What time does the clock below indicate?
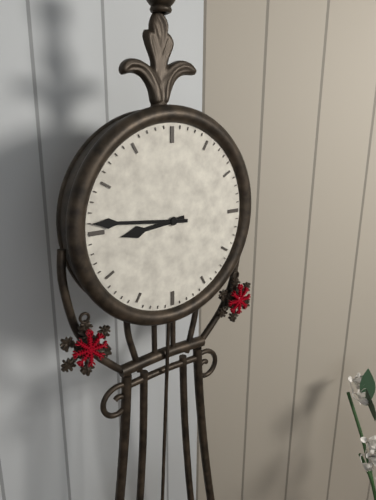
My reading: 8:46
